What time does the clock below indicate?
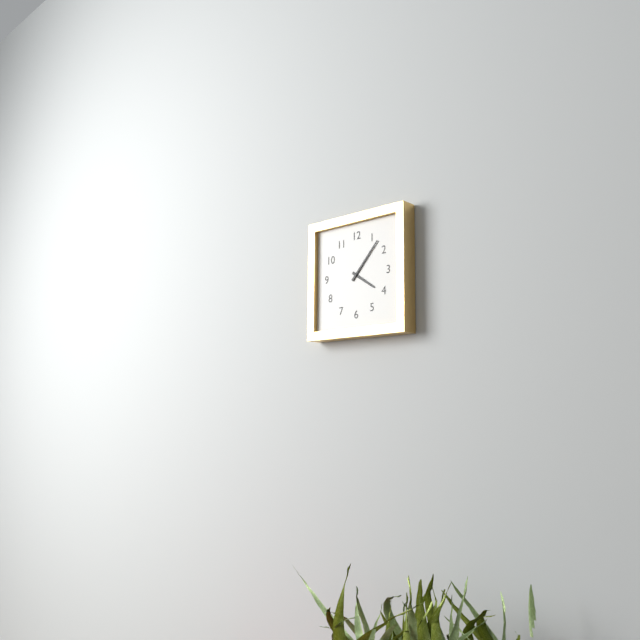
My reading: 4:07
